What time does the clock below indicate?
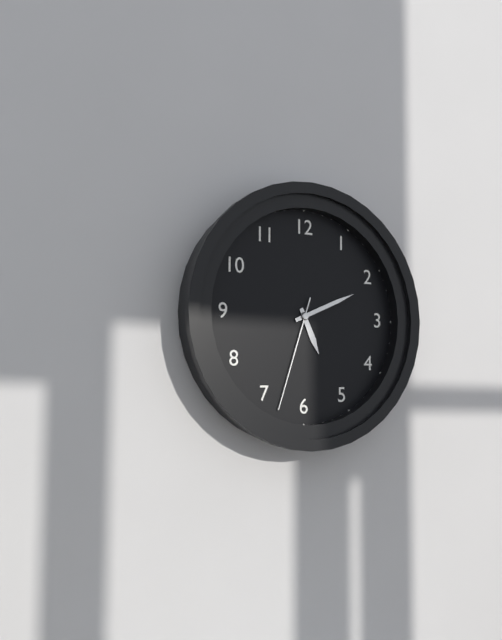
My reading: 5:11:33
